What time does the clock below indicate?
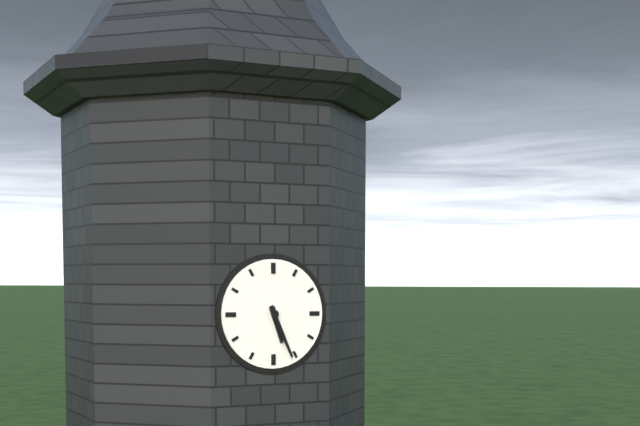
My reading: 5:26
